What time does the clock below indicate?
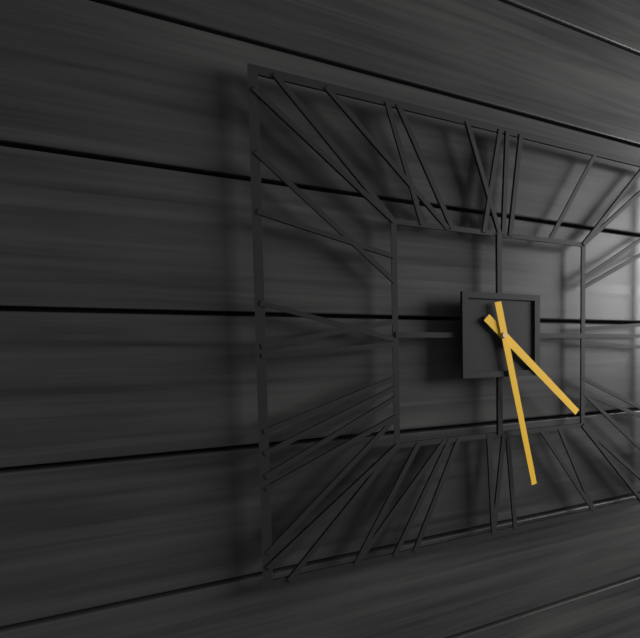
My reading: 4:28
